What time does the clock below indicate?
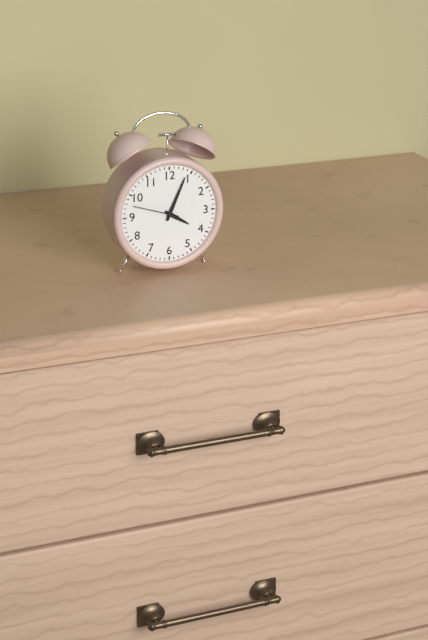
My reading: 4:04
